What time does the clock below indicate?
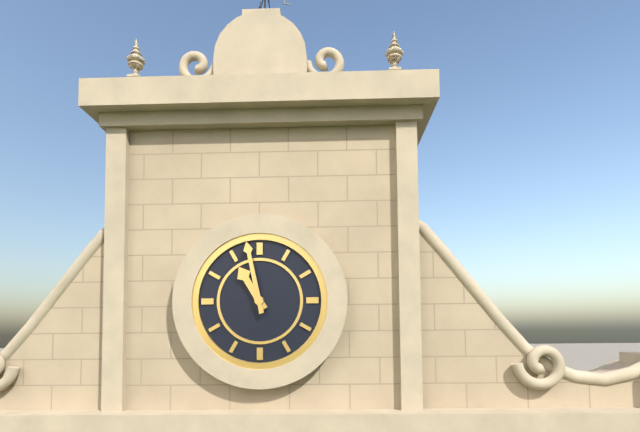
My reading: 10:58
